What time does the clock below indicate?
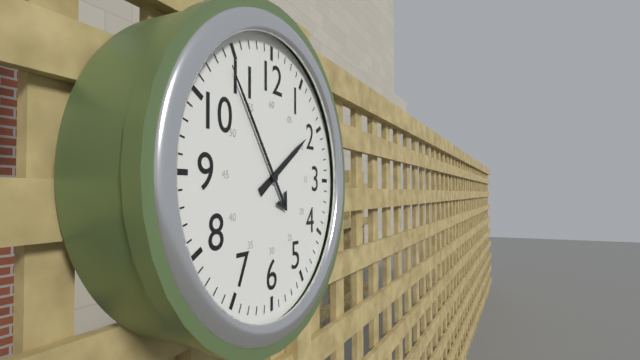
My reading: 1:54
